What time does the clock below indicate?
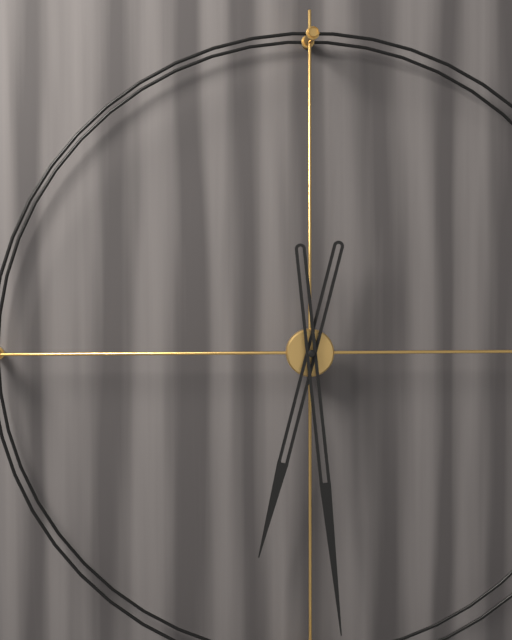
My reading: 6:29
